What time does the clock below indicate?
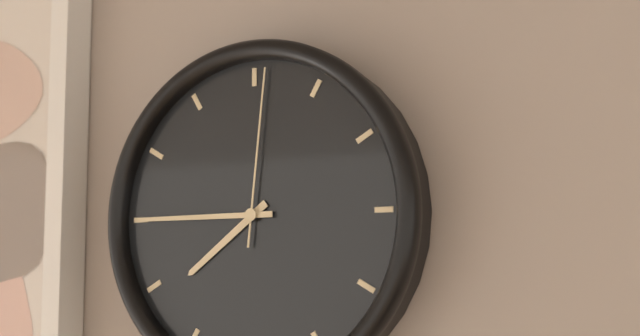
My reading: 7:45:01
